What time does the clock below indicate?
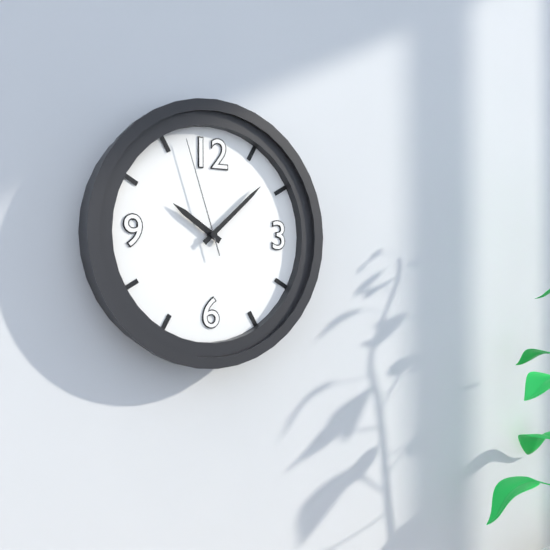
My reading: 10:08:57
